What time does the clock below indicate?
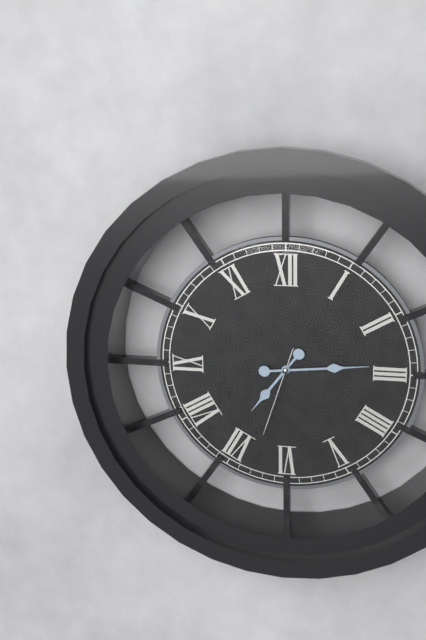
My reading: 7:14:33
